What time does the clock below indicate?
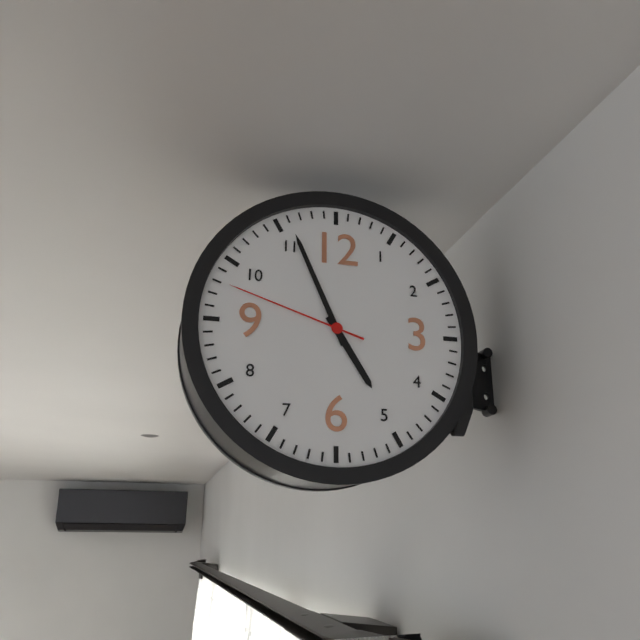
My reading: 4:56:48
